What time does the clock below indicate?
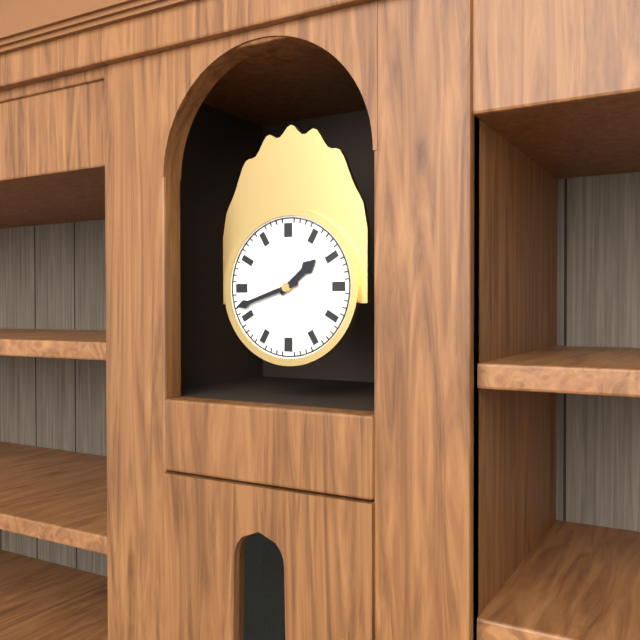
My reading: 1:42
